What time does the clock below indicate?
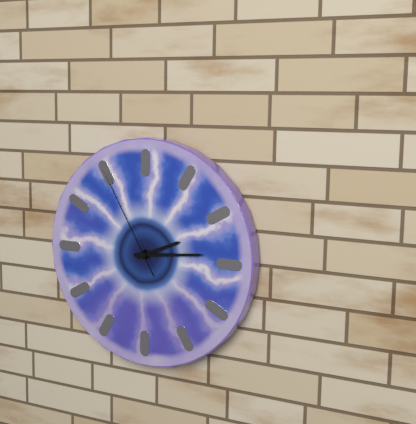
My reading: 2:14:55
